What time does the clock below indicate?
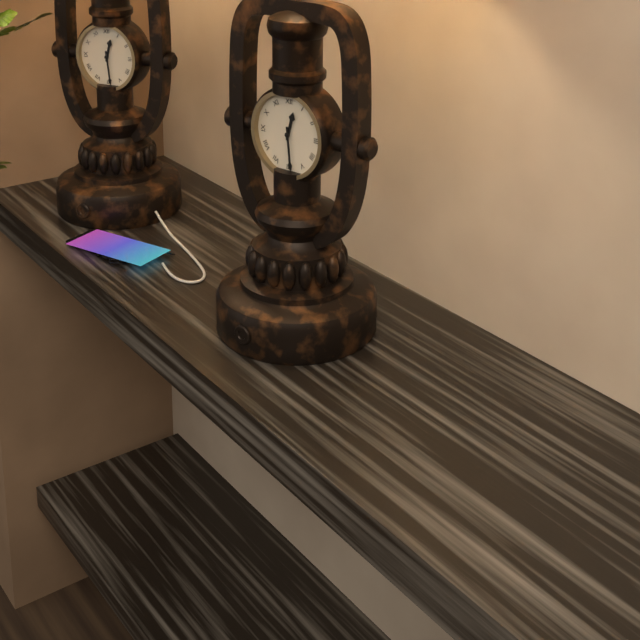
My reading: 12:29
